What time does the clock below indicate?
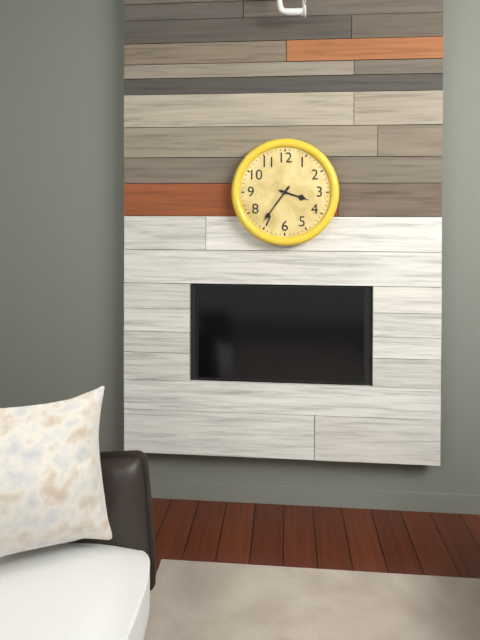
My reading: 3:36
